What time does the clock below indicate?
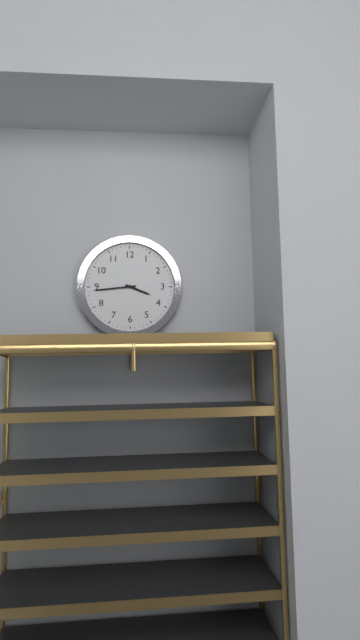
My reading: 3:44
